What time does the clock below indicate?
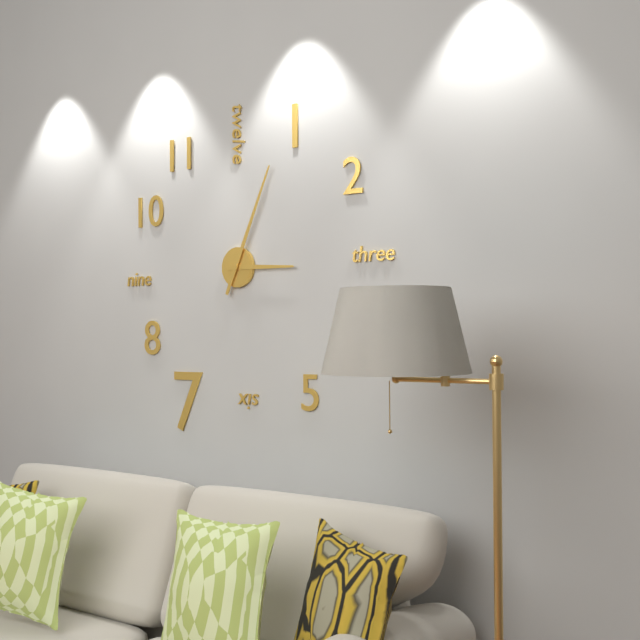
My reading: 3:04
